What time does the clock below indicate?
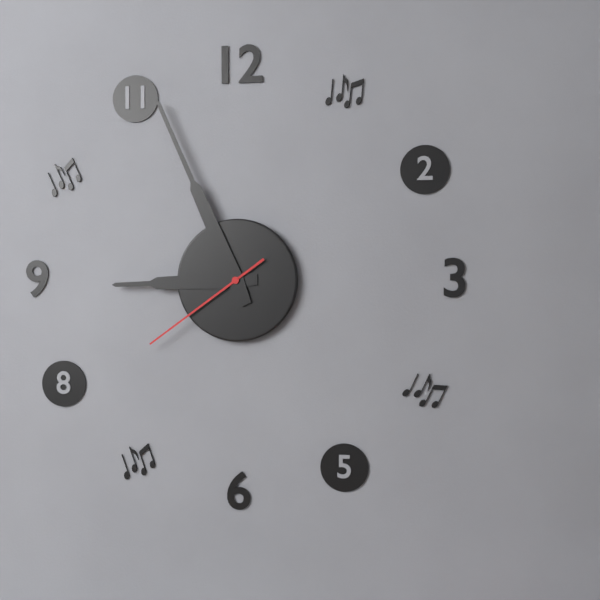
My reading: 8:56:39
